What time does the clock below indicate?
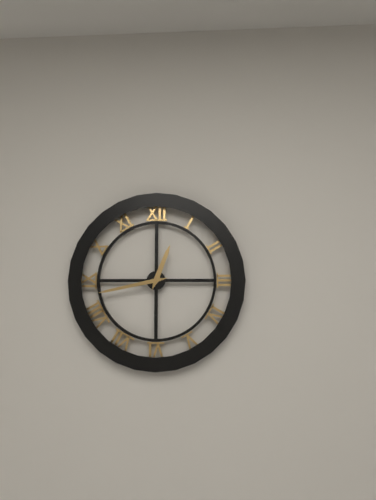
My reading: 12:43
